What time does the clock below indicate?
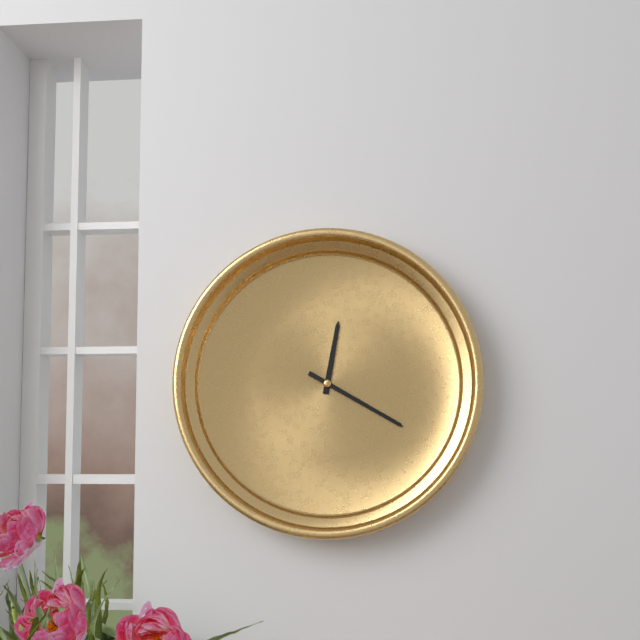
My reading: 12:20
